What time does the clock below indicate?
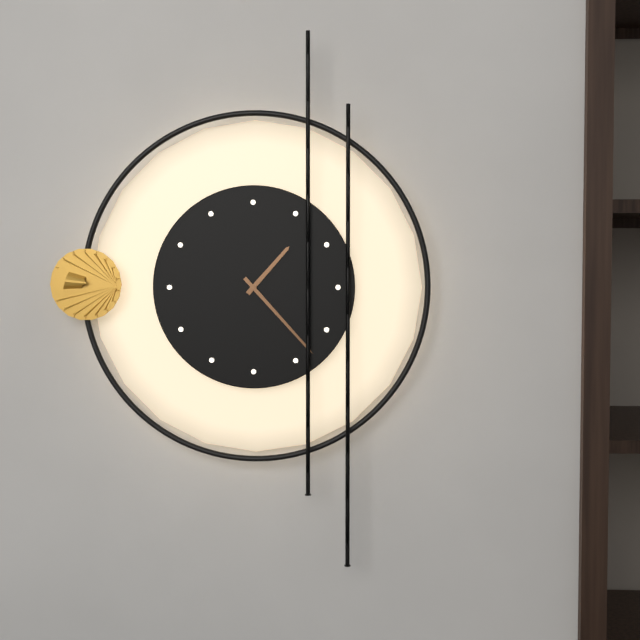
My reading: 1:23
